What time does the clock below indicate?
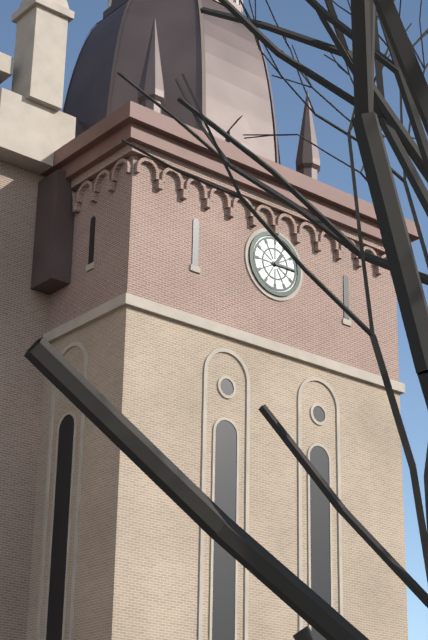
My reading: 1:15
